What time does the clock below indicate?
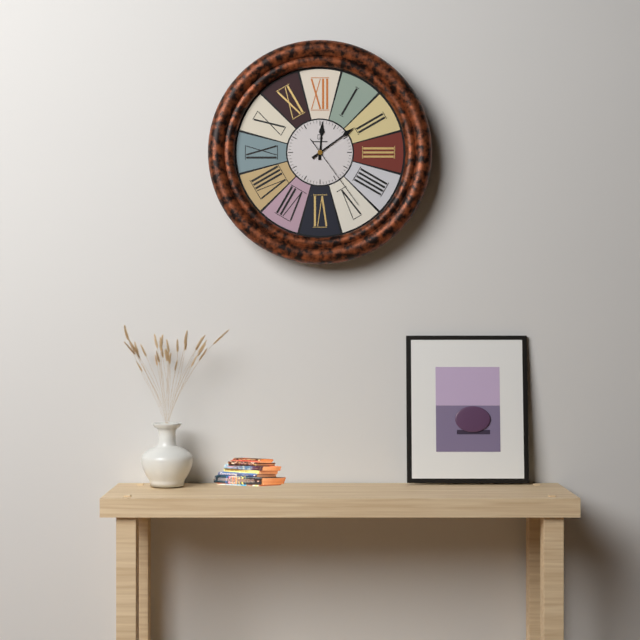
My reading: 12:09:24
